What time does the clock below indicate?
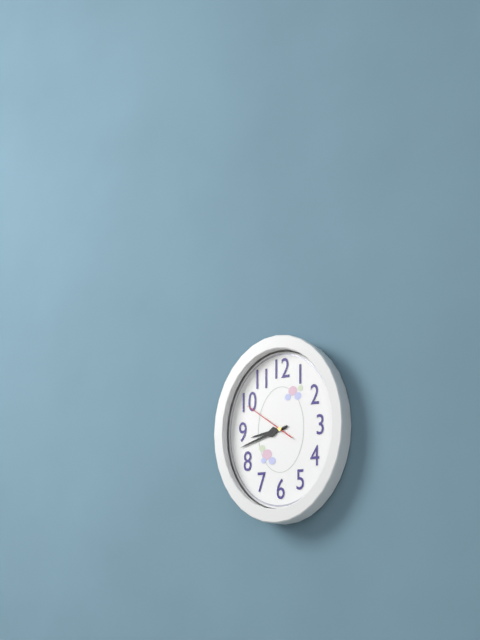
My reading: 8:42
